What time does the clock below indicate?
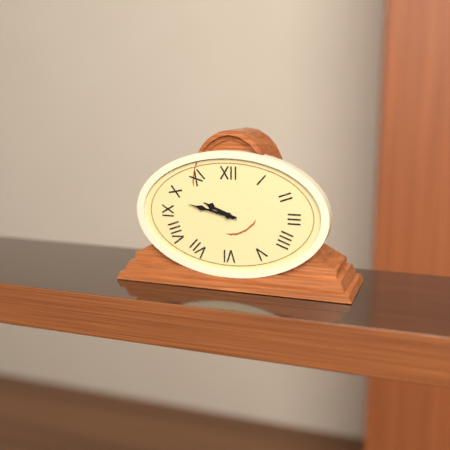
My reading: 9:47
